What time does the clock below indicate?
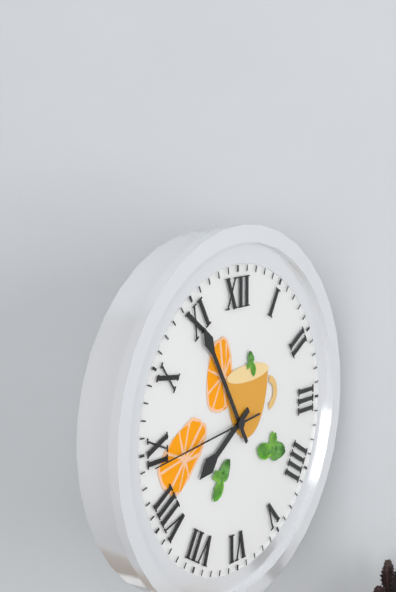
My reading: 7:55:44
